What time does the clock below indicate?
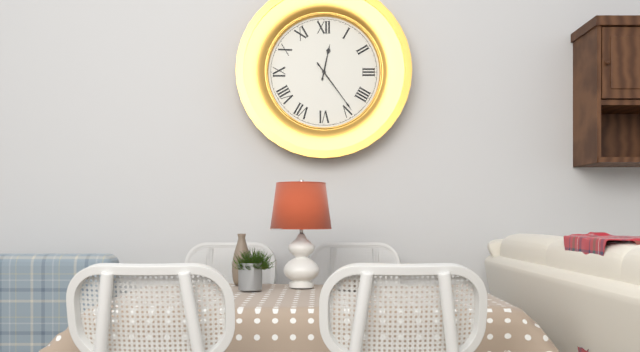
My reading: 12:24
